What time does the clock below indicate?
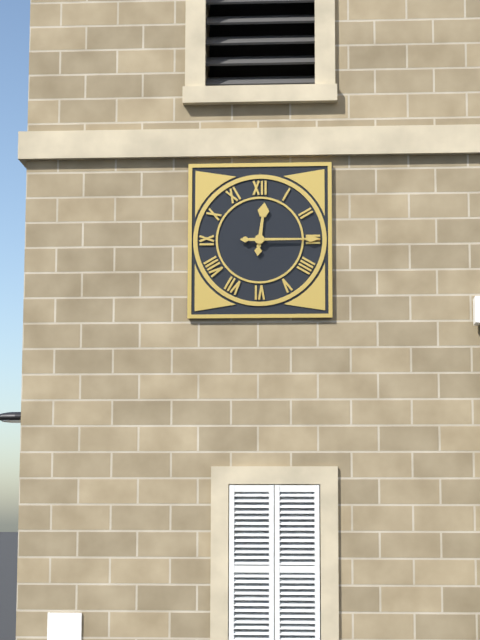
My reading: 12:15
